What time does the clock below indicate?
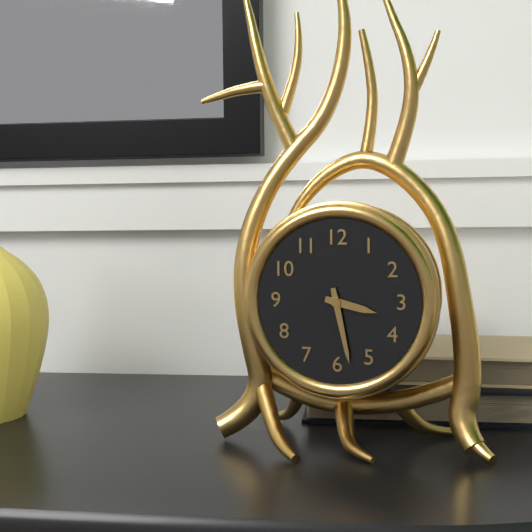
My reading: 3:28
